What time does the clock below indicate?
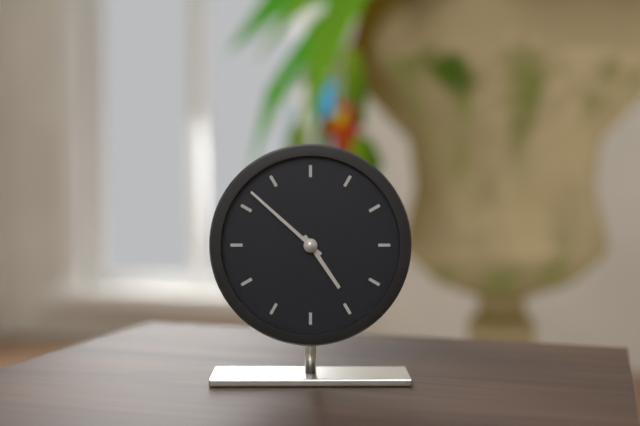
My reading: 4:52
